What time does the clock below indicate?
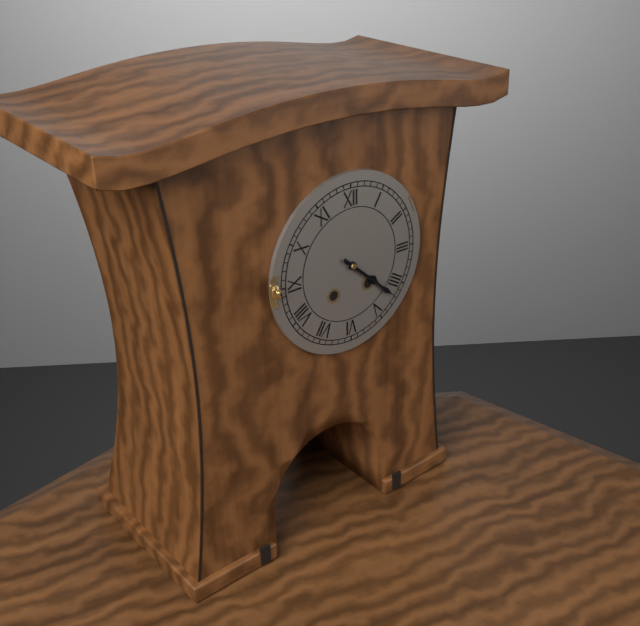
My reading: 4:22
